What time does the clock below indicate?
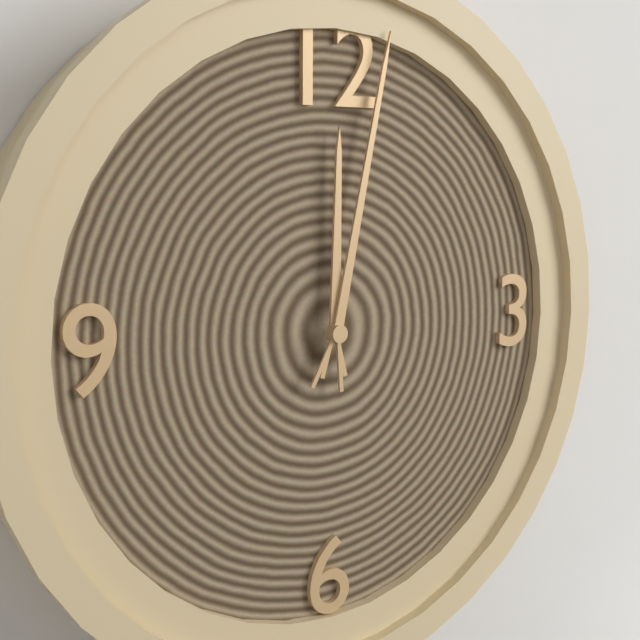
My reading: 12:02
